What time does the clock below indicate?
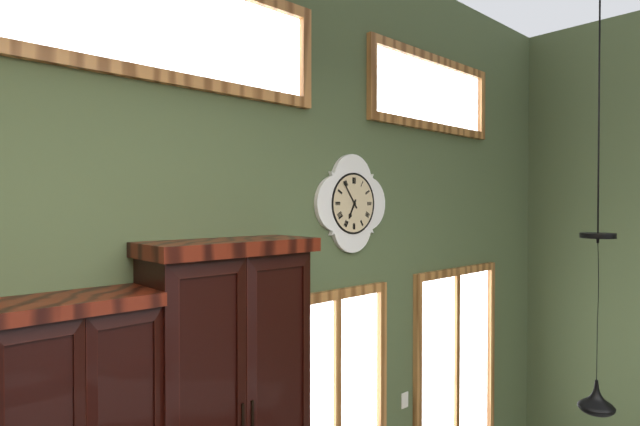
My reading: 6:54
